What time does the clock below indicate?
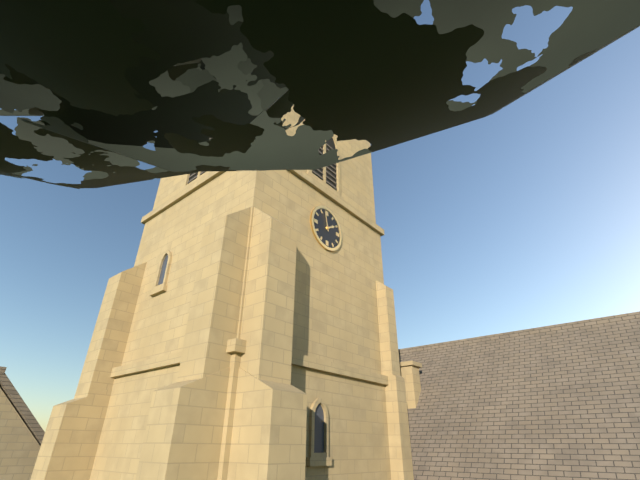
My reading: 1:58
